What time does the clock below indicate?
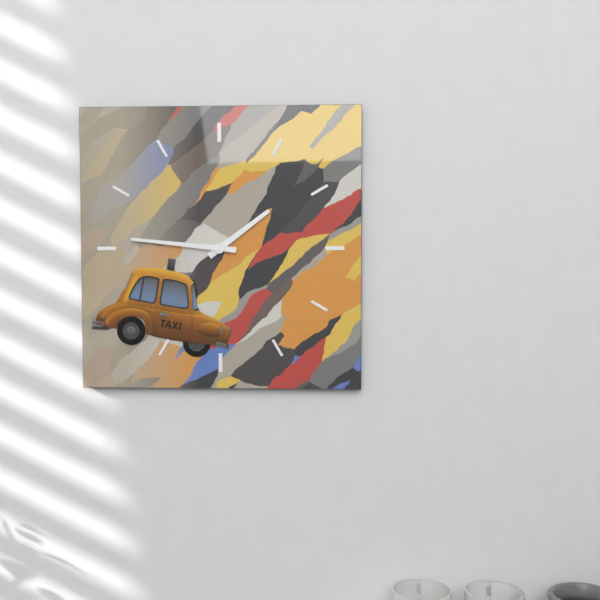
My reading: 1:46
